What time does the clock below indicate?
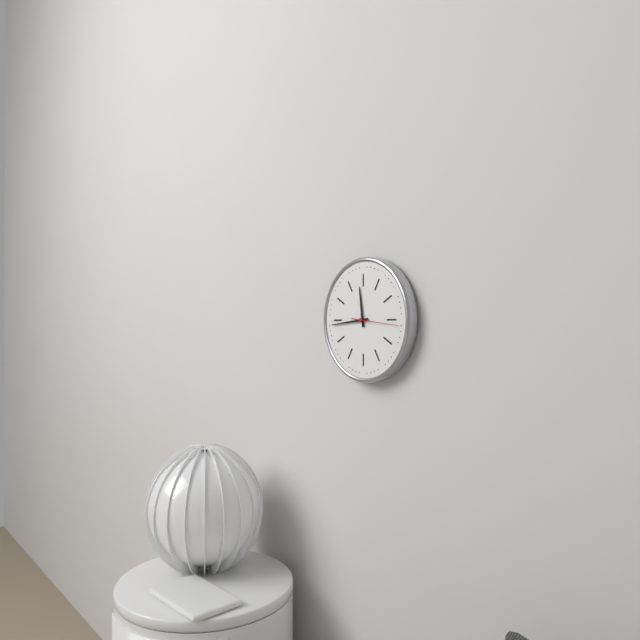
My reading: 11:44
